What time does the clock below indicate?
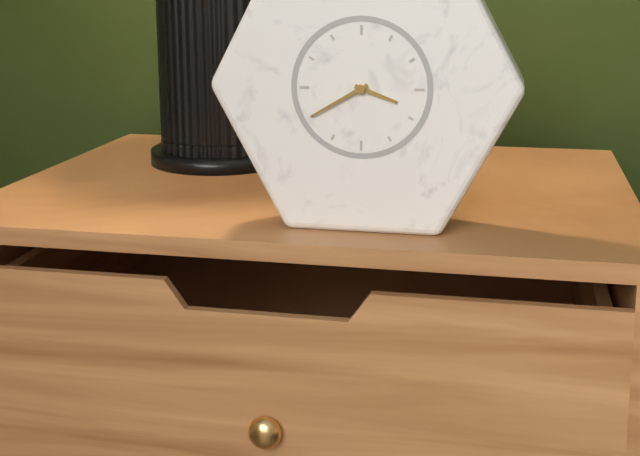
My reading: 3:40
